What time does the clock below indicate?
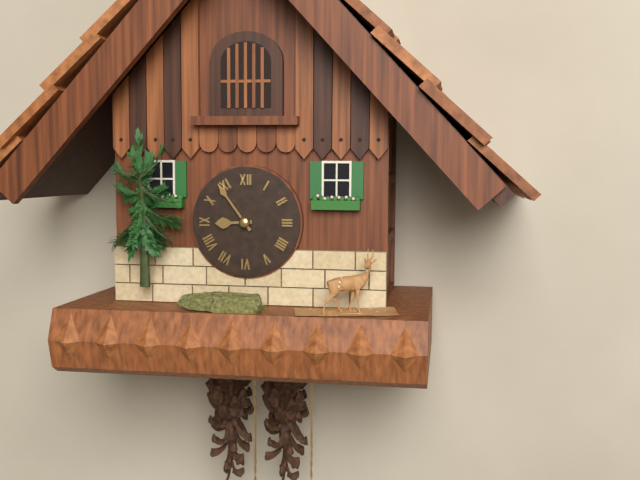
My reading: 8:54
